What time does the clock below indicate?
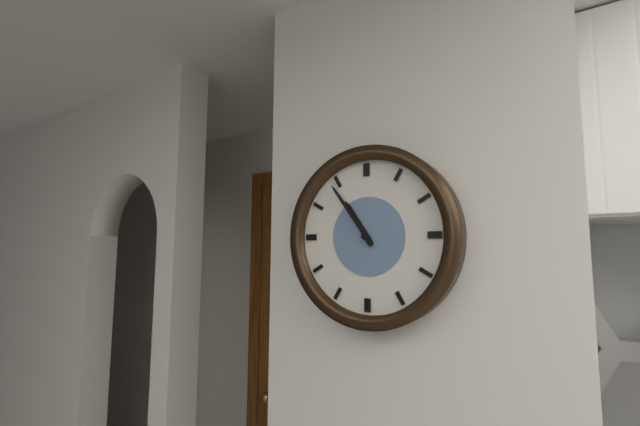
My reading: 10:54
